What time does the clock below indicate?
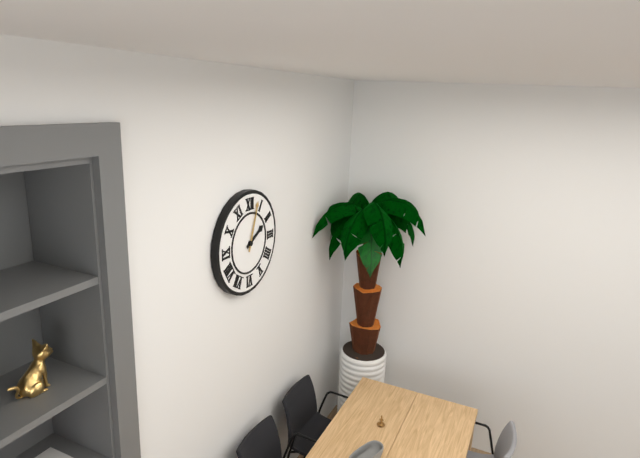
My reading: 2:03
